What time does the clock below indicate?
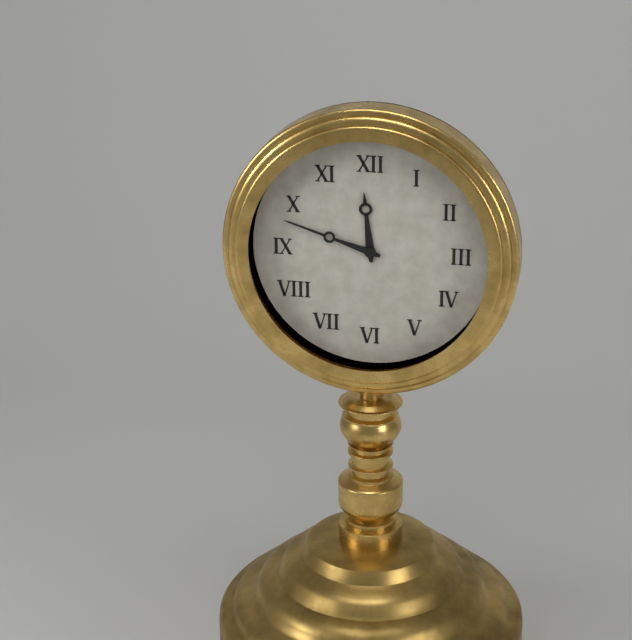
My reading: 11:48
